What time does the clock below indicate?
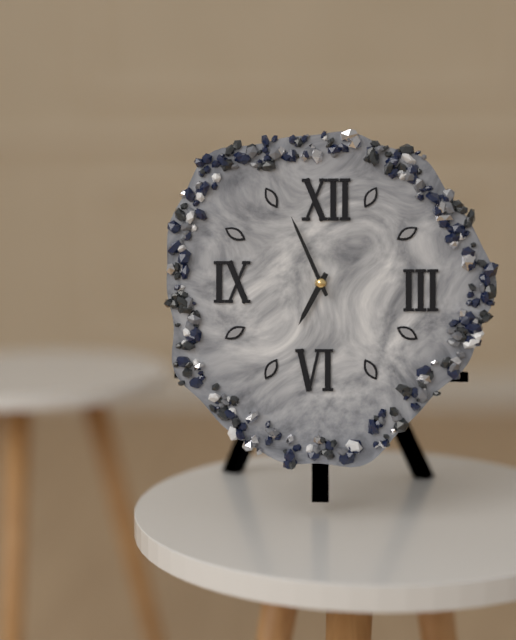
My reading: 6:56
